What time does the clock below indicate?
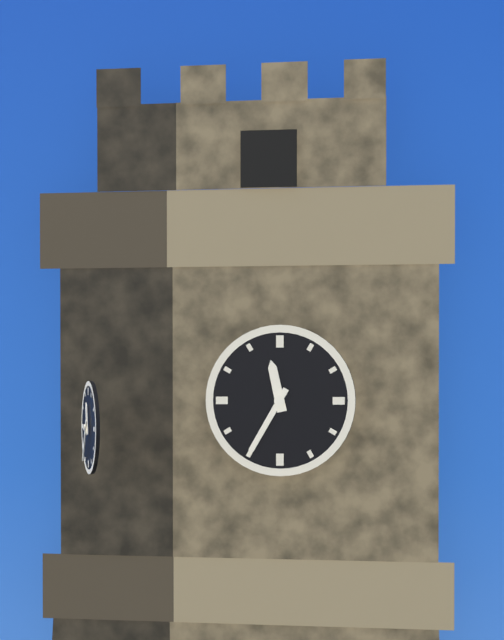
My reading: 11:35
